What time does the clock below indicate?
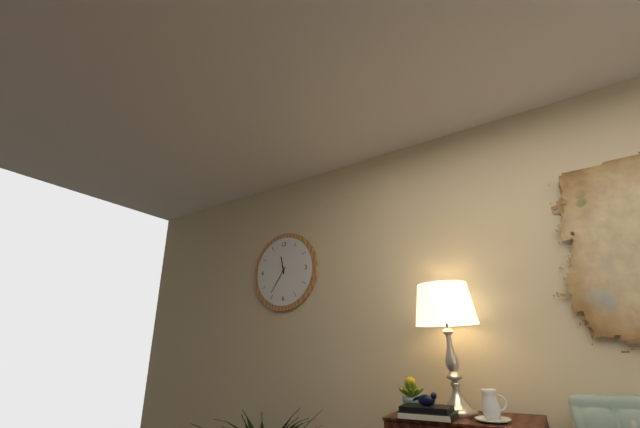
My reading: 11:36
